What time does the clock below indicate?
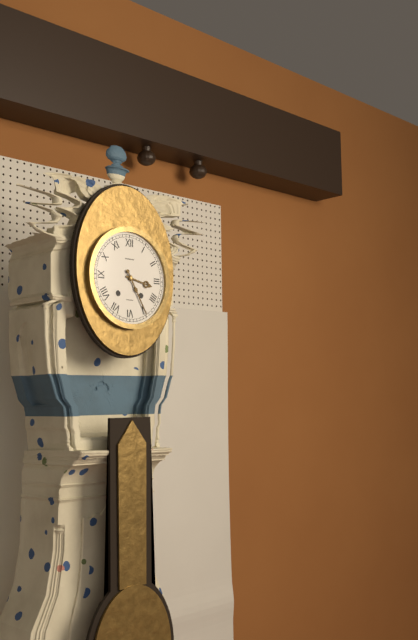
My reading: 3:25
